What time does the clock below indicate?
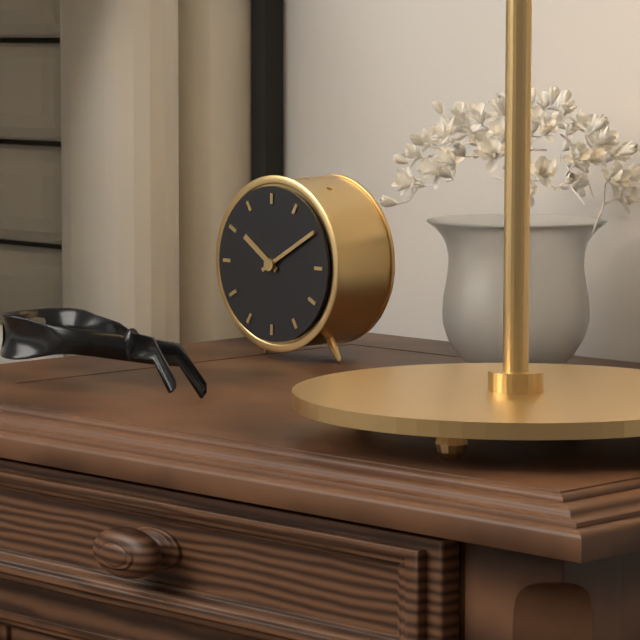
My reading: 10:10
